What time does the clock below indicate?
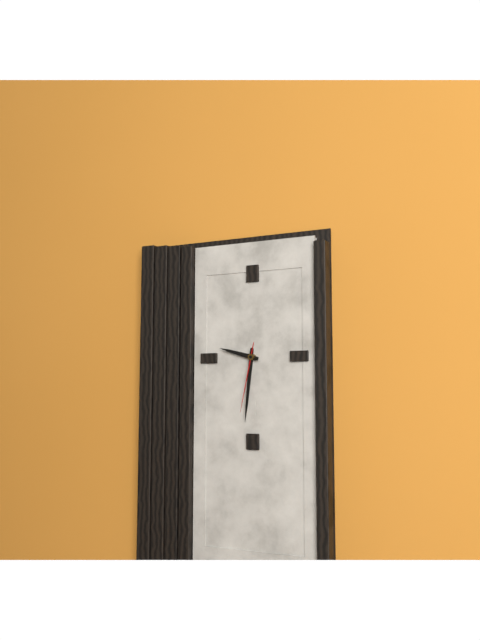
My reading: 9:31:32
